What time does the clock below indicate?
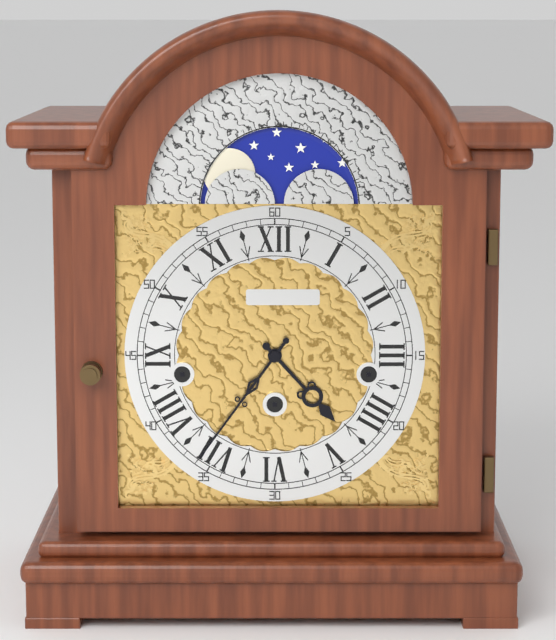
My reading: 4:36
